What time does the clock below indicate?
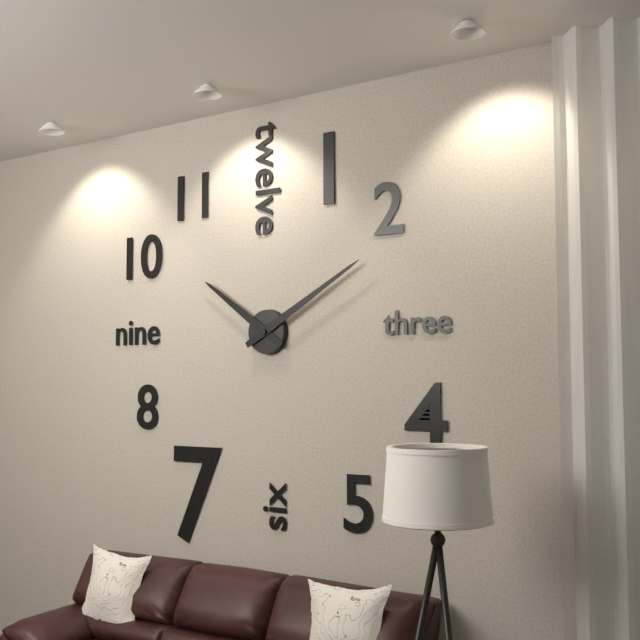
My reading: 10:10
